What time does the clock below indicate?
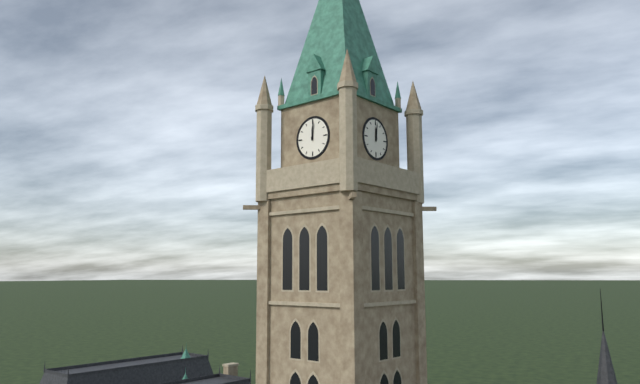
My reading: 12:01
